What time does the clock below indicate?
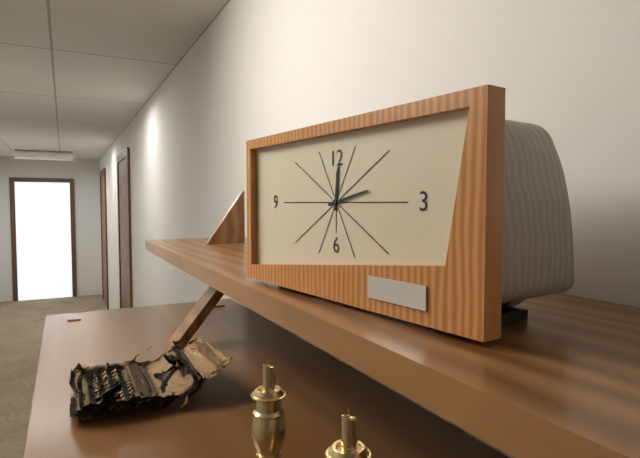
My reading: 12:13
